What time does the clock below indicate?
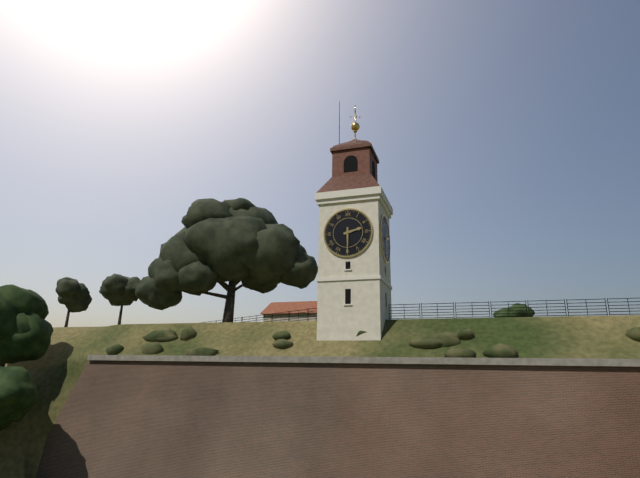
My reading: 2:30
